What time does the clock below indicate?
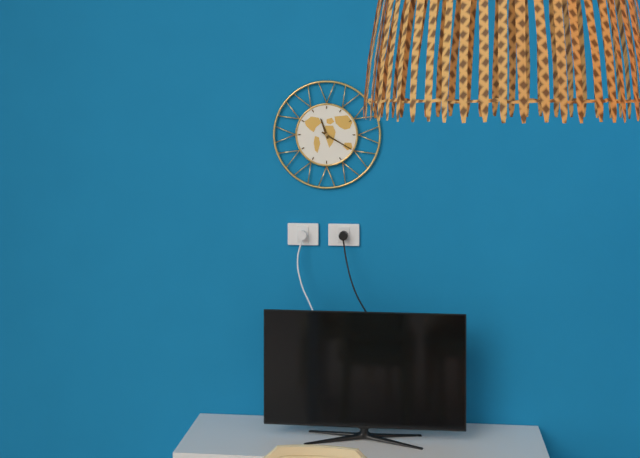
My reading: 11:20
